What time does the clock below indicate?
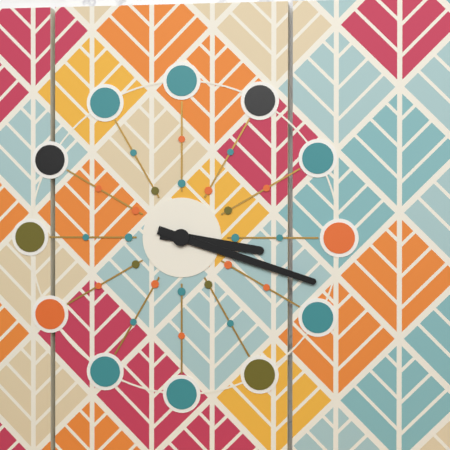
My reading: 3:18
